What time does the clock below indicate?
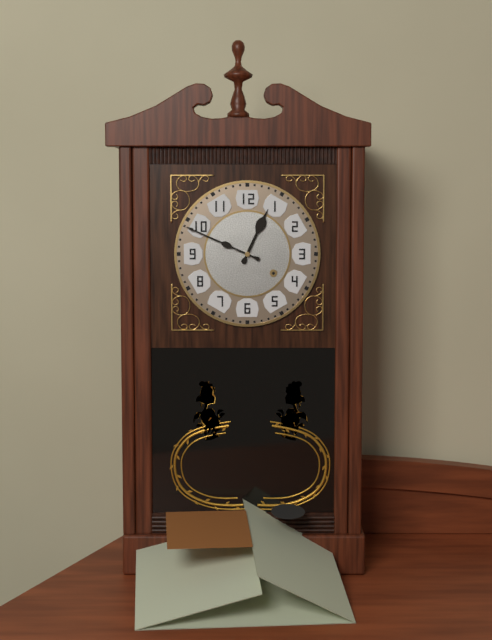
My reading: 12:49
